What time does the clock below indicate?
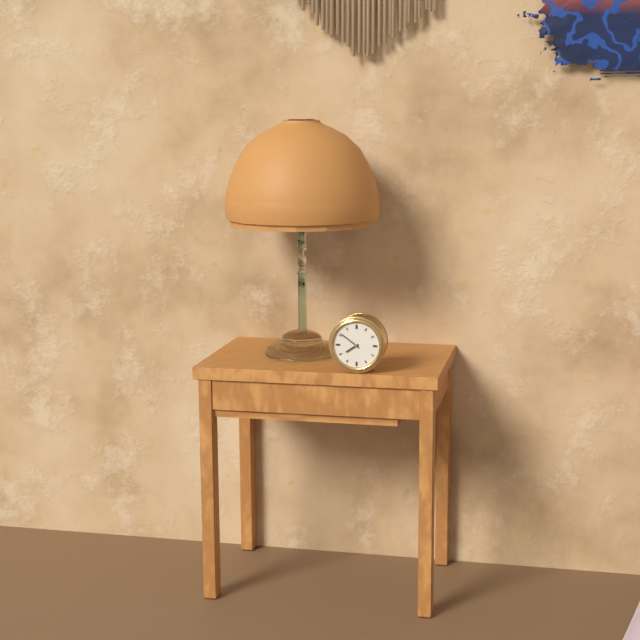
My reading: 7:51
